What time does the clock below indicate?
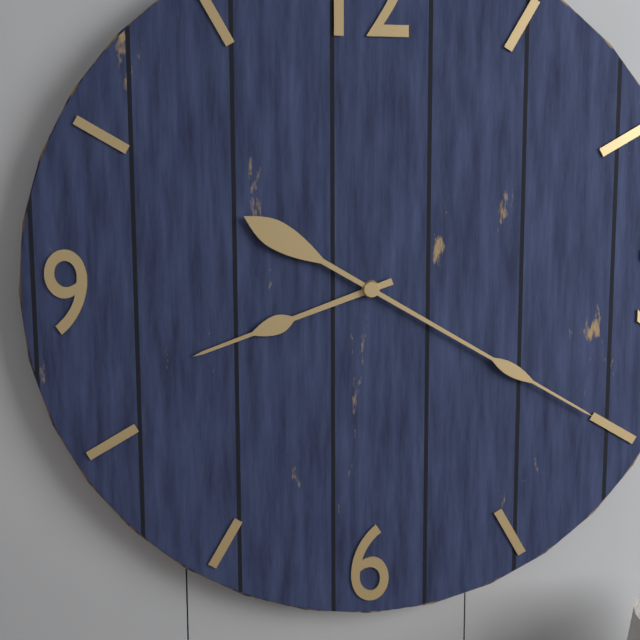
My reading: 8:20
